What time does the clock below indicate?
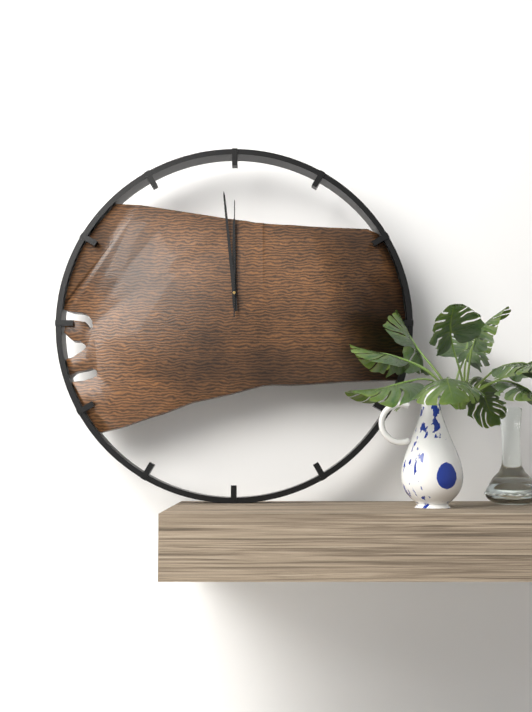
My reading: 11:59:00
